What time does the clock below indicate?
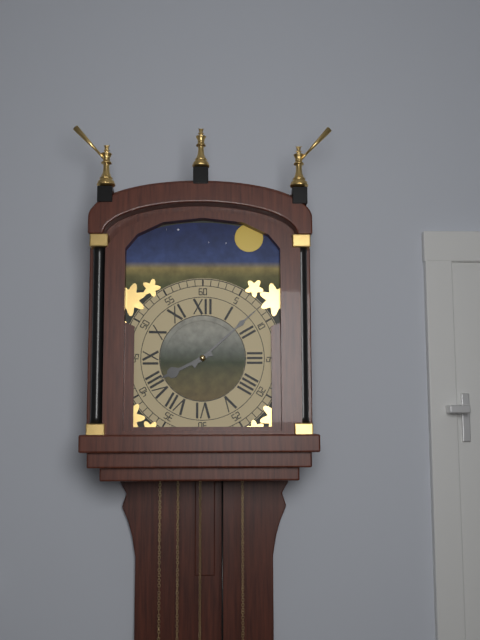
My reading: 8:08
